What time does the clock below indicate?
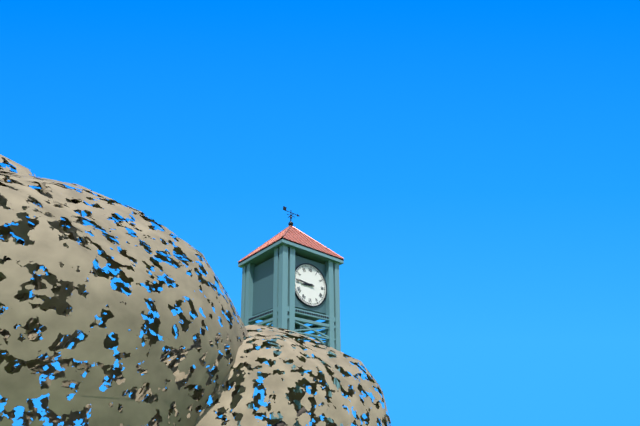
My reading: 8:46
